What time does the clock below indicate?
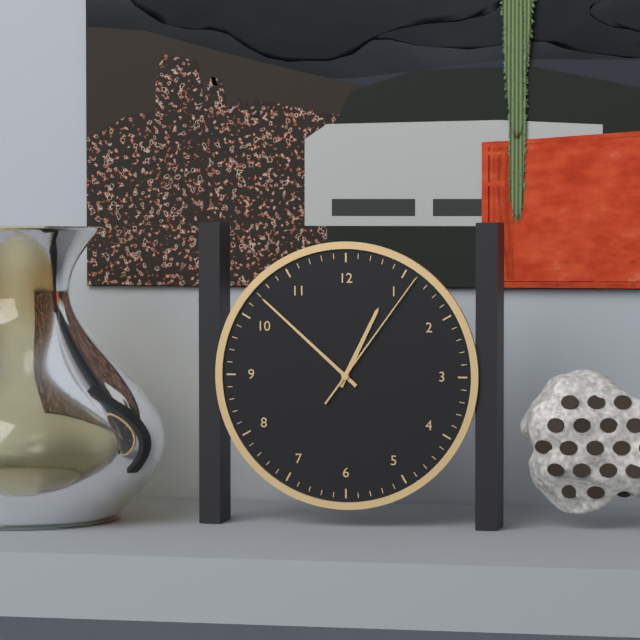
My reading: 12:52:06
